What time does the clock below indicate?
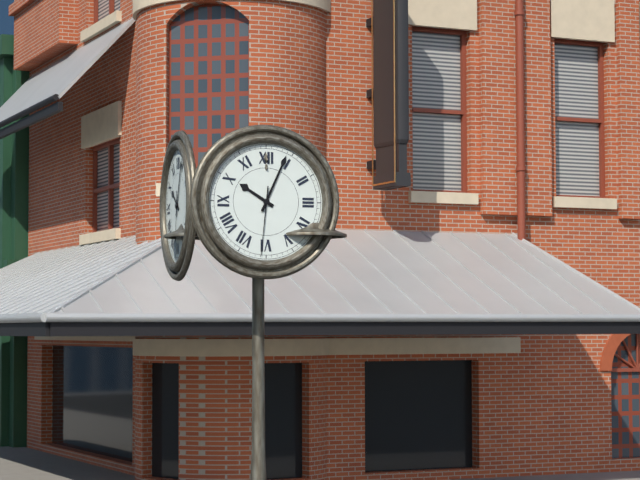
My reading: 10:04:31
